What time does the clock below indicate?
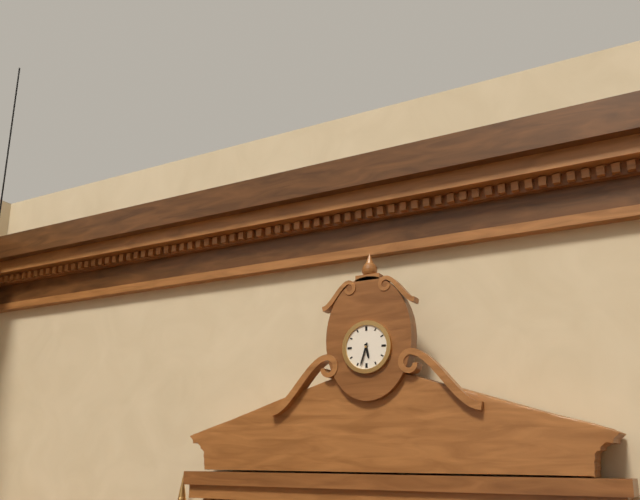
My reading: 5:33
